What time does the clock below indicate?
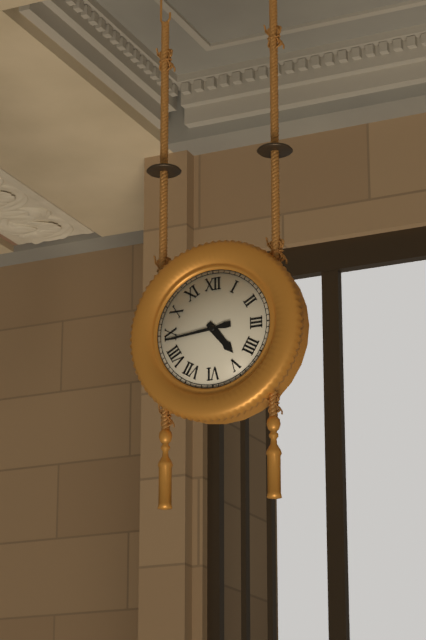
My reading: 4:44
